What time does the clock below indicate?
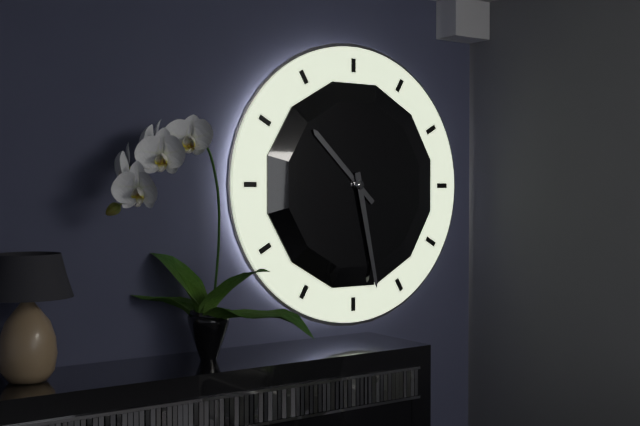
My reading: 10:28
